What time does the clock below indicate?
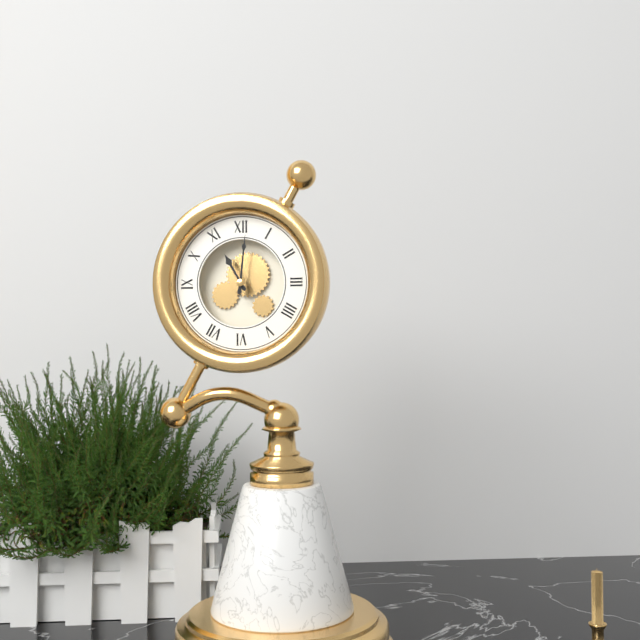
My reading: 11:01
